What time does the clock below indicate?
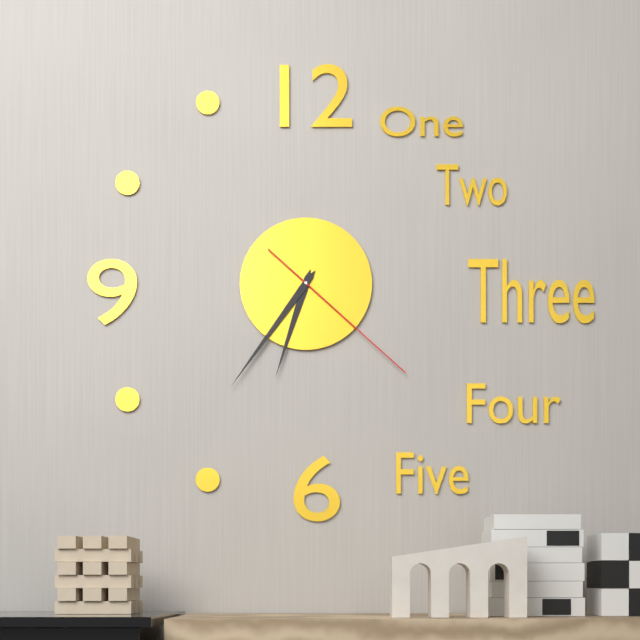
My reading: 6:36:22
